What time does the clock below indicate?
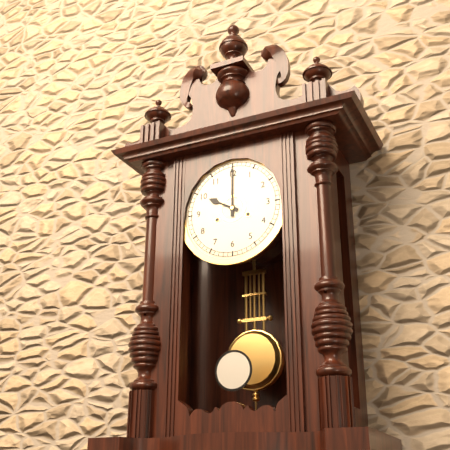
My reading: 10:00
